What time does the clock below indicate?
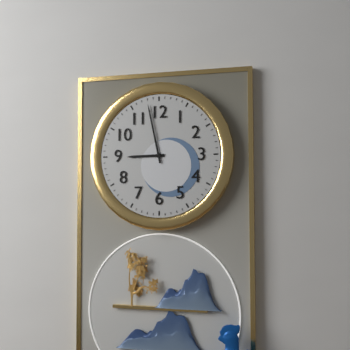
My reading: 8:58
